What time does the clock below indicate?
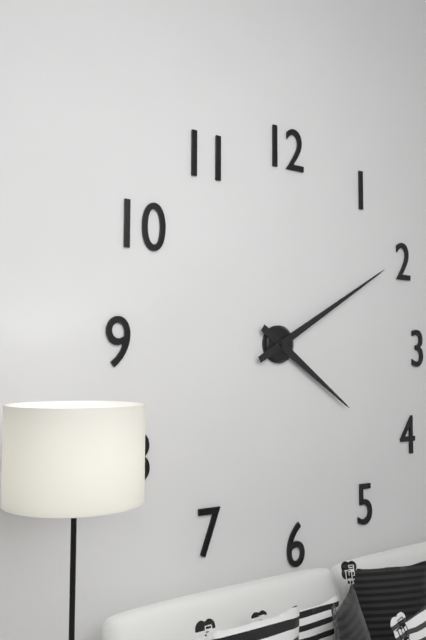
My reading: 4:10
